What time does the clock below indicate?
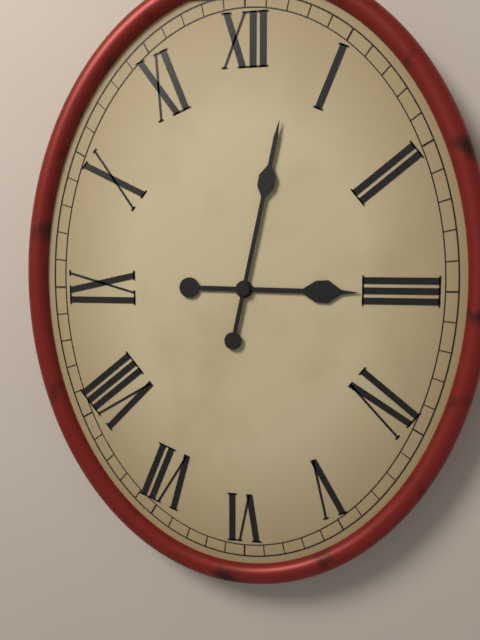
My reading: 3:02
